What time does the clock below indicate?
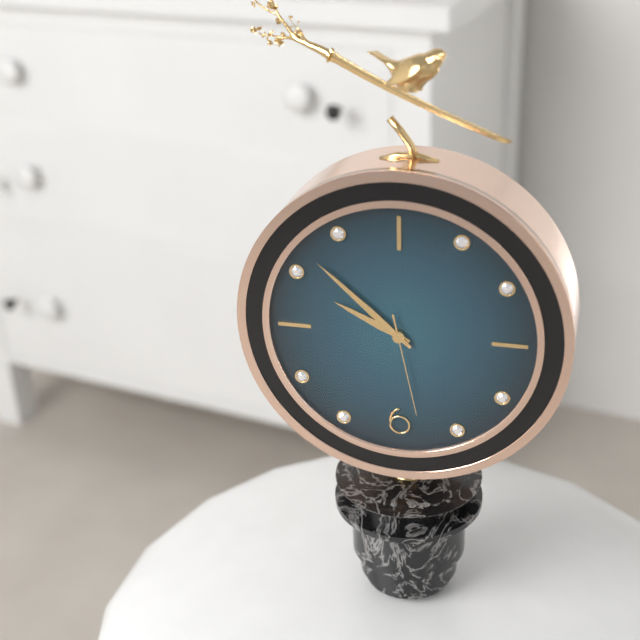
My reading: 9:52:28
